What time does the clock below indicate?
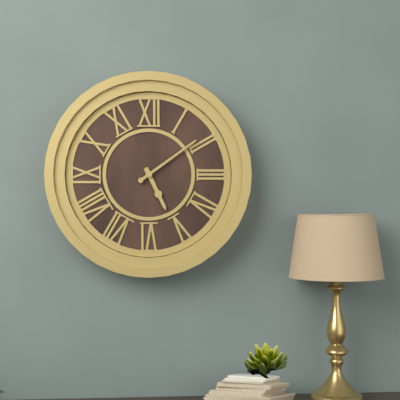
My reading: 5:09
